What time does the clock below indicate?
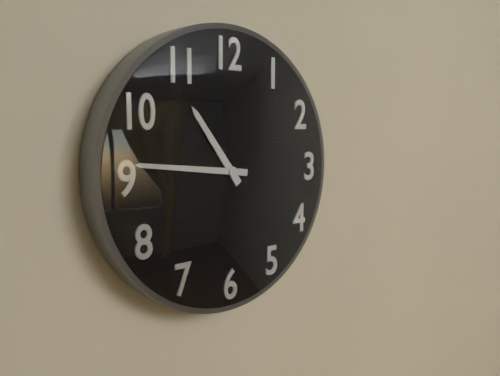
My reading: 10:46
